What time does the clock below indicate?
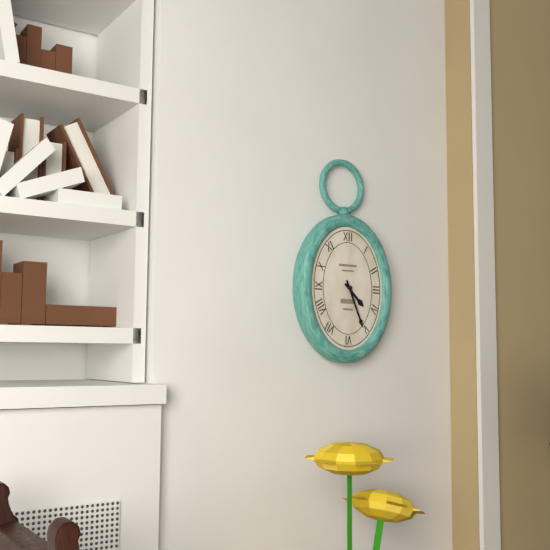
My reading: 4:26
